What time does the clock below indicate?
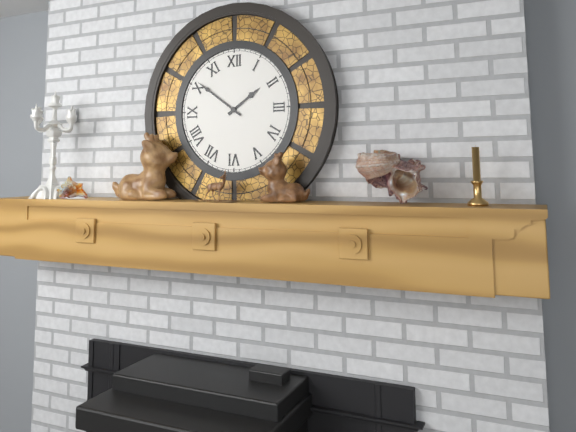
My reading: 1:51
